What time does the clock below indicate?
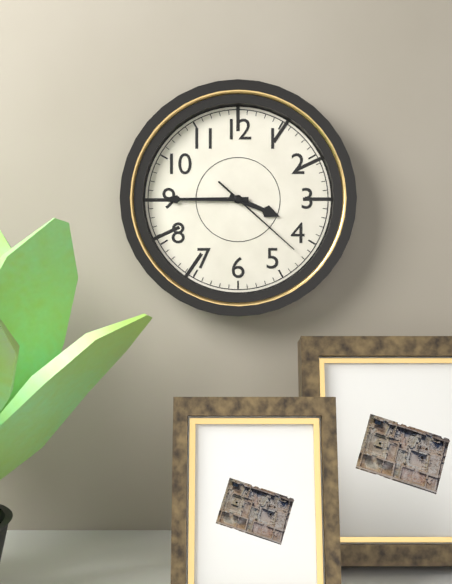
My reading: 3:45:22
